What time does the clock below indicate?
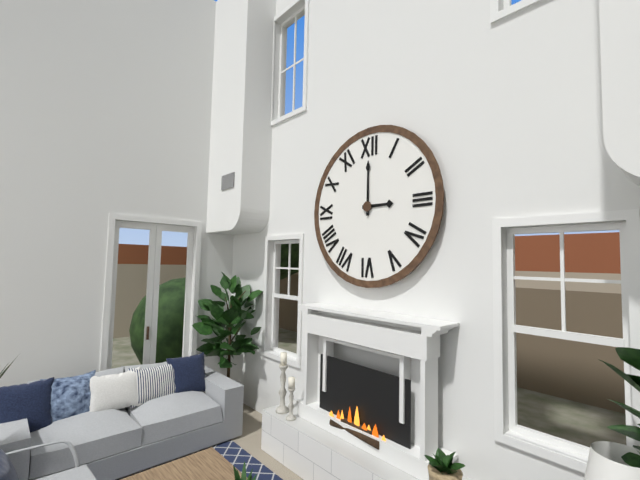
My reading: 3:00
